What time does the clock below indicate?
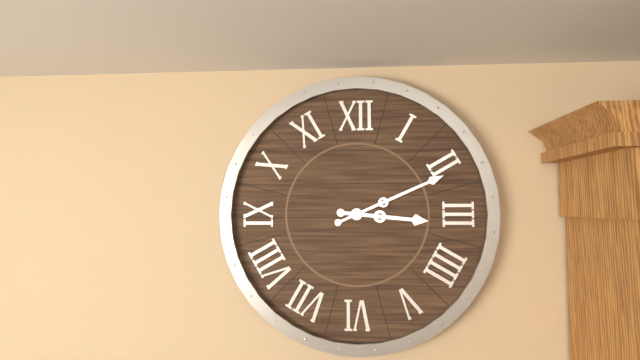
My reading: 3:11
